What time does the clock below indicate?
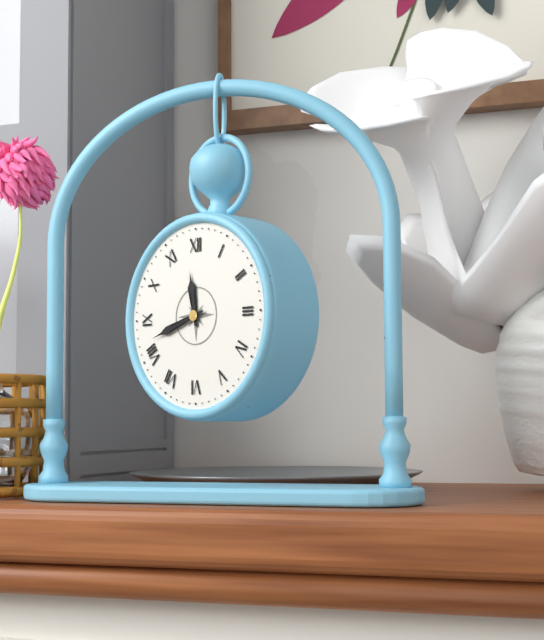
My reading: 11:42
